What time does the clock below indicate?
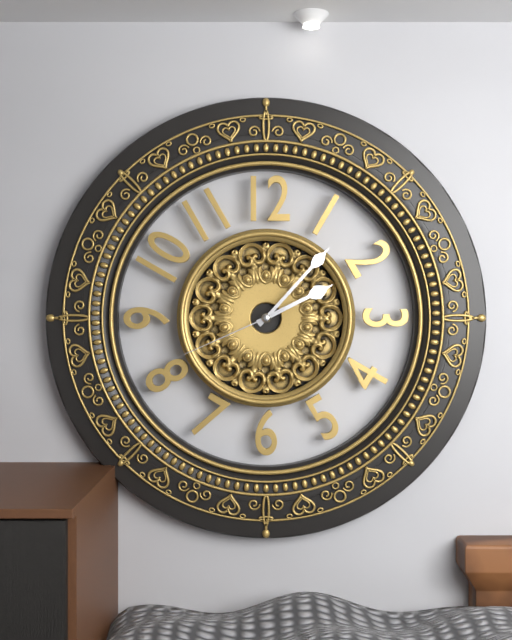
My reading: 2:07:41
